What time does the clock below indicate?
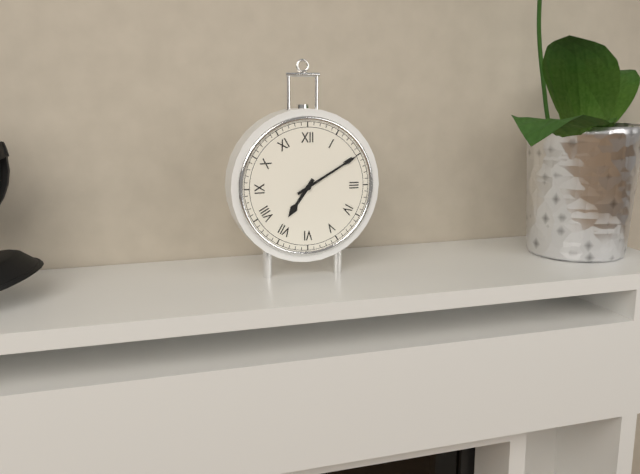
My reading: 7:10
